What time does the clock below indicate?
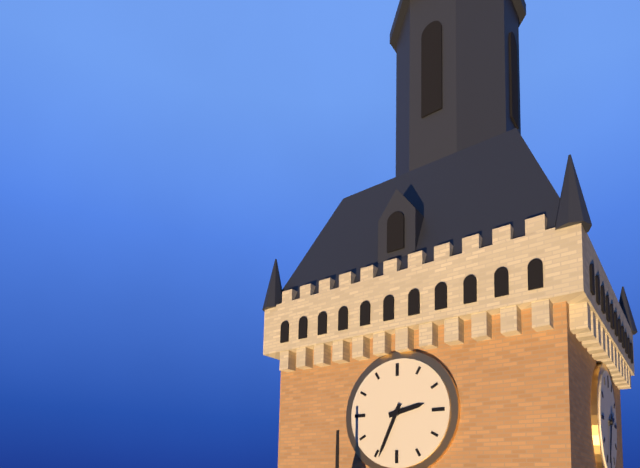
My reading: 2:34
